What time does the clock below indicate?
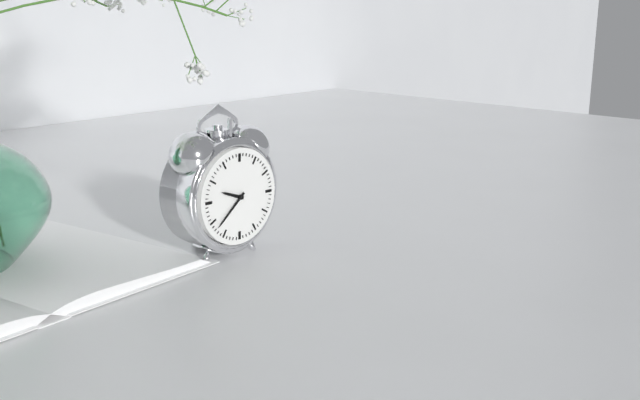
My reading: 9:38
